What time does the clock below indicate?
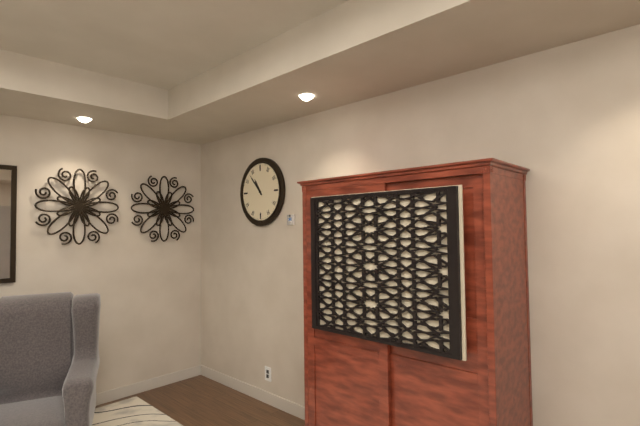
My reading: 10:53
